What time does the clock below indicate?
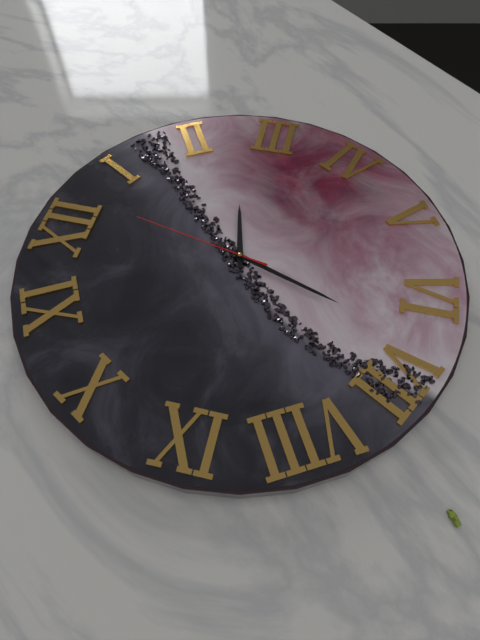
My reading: 2:33:02
